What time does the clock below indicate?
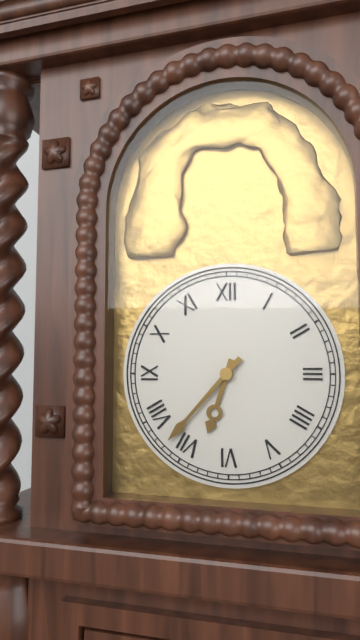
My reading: 6:37
